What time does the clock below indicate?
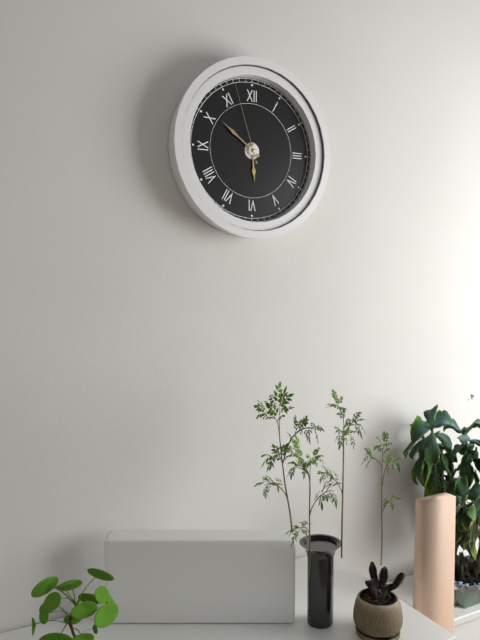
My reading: 5:51:57
